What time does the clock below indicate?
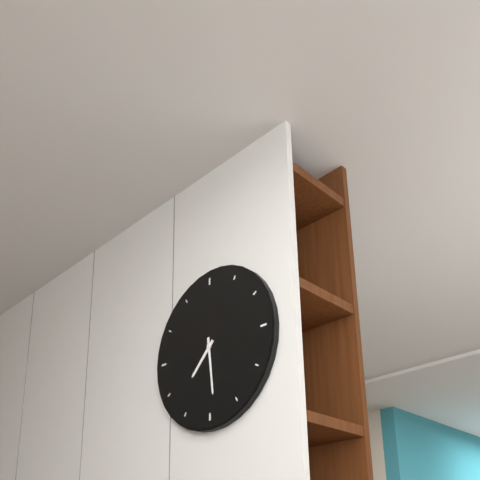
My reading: 7:29
